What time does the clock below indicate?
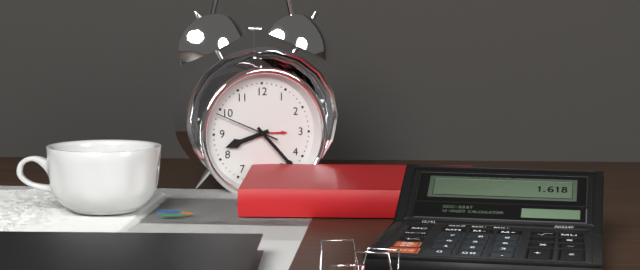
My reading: 8:23:49
